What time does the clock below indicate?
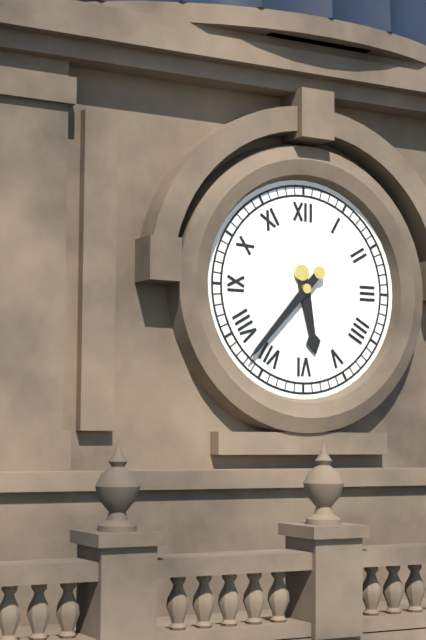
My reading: 5:37
